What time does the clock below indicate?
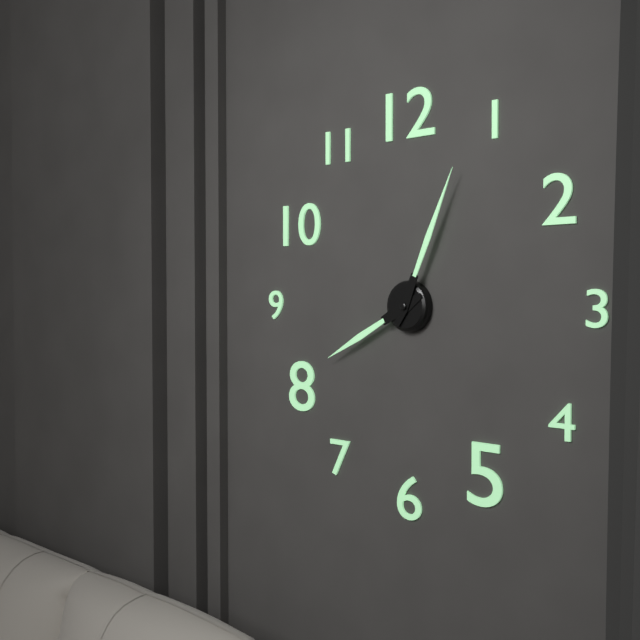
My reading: 8:04
